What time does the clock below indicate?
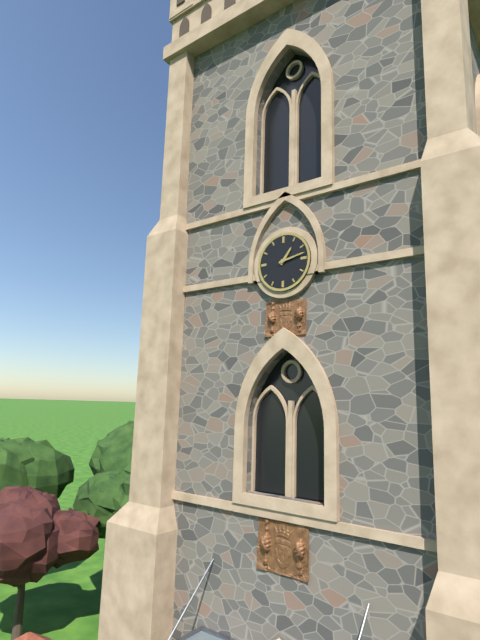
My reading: 1:13
